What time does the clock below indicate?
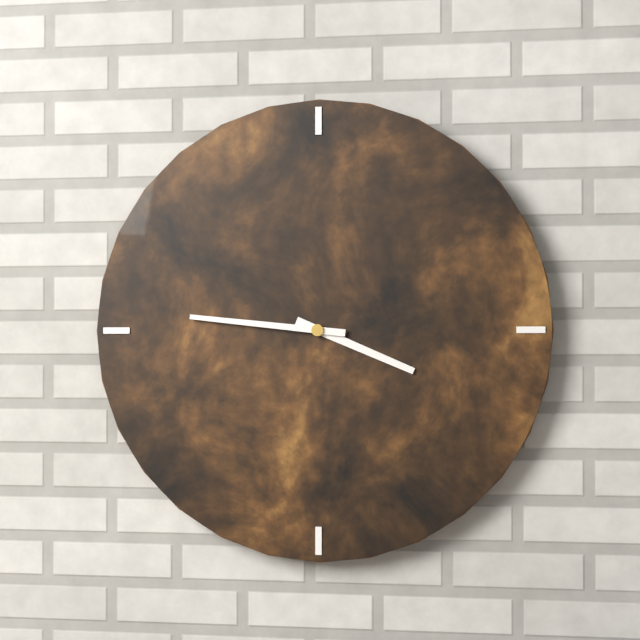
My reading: 3:46
